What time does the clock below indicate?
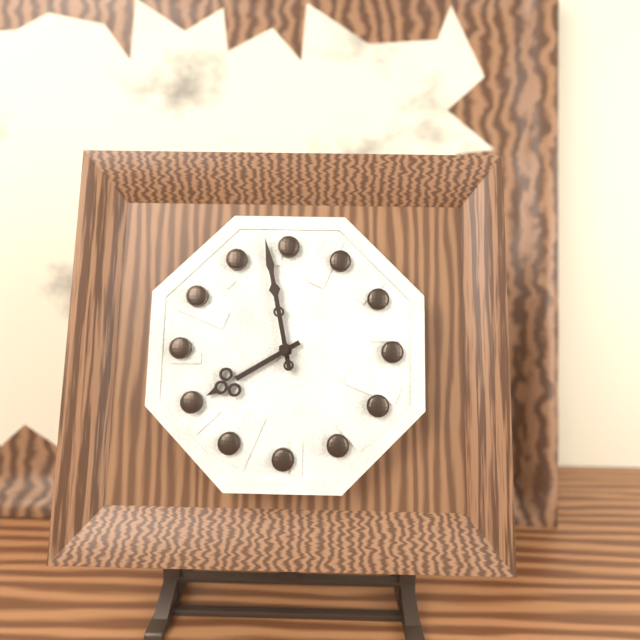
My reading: 7:58
